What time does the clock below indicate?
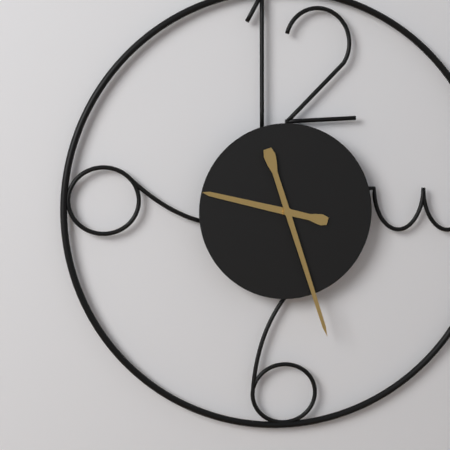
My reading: 9:27
